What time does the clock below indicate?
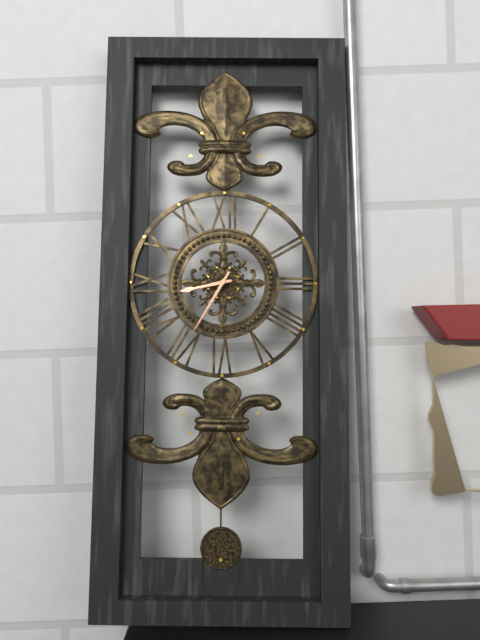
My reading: 8:35
